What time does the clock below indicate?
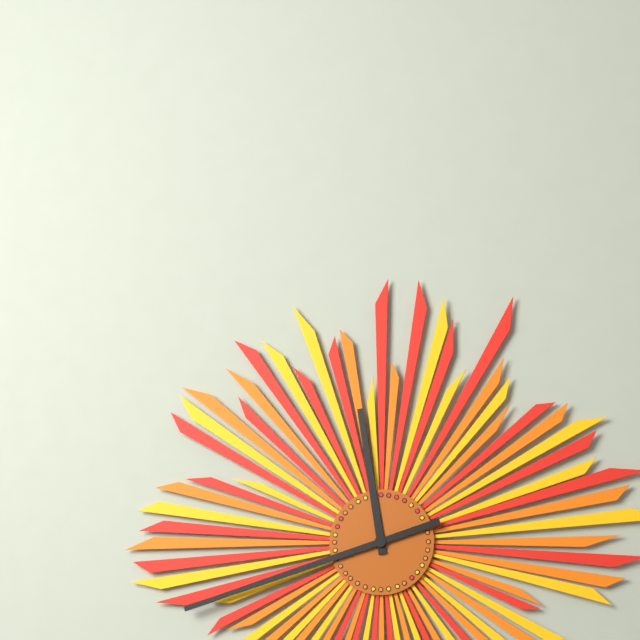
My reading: 11:42
